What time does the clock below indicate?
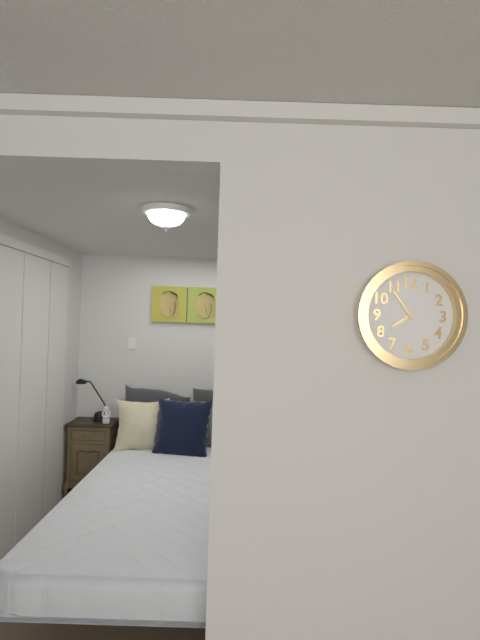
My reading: 7:54
